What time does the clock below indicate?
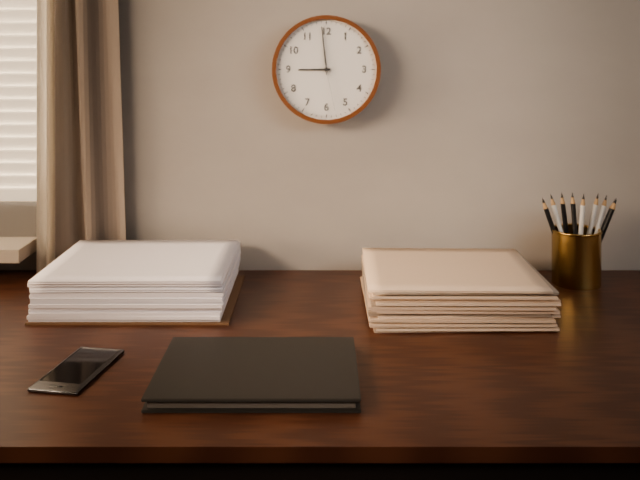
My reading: 8:59:28
